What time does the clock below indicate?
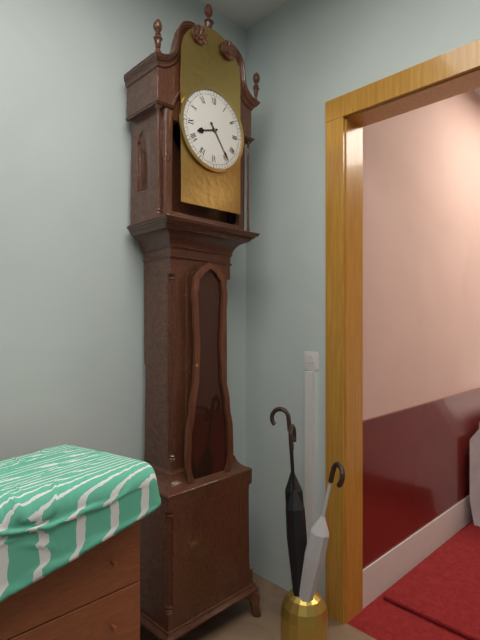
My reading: 8:24
